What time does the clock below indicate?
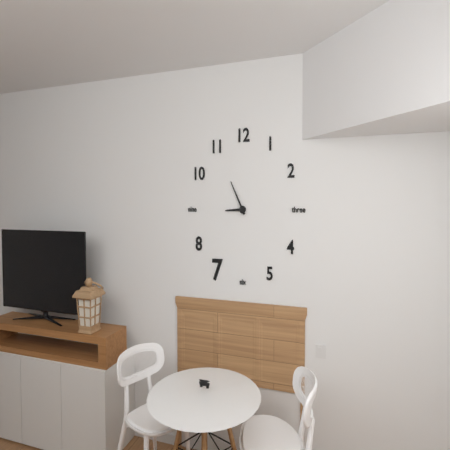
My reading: 8:55
